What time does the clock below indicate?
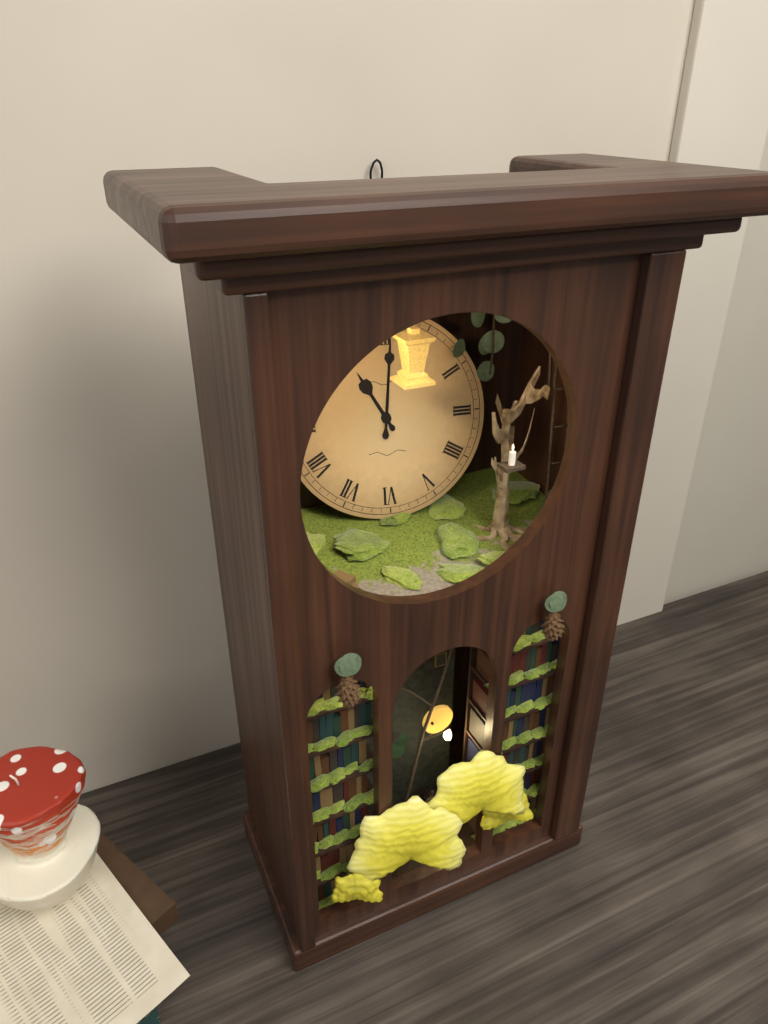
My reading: 11:01
